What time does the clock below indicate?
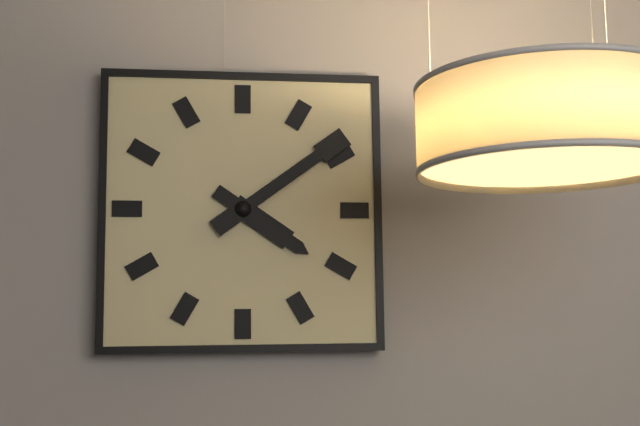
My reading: 4:09
